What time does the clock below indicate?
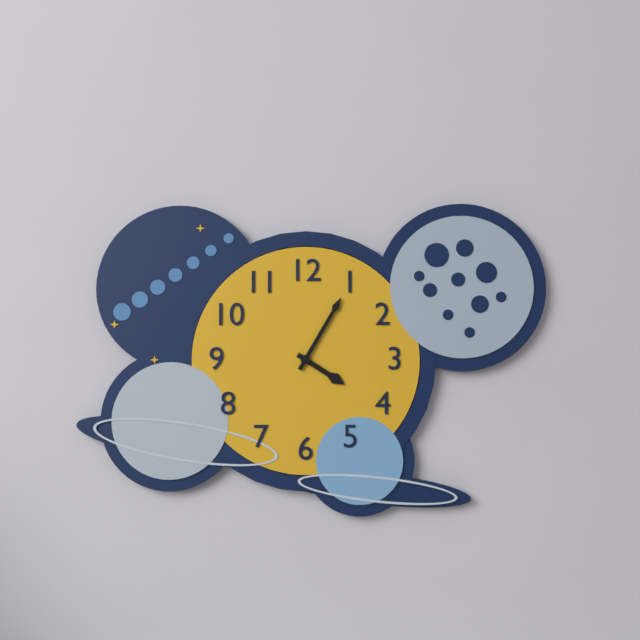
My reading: 4:05
